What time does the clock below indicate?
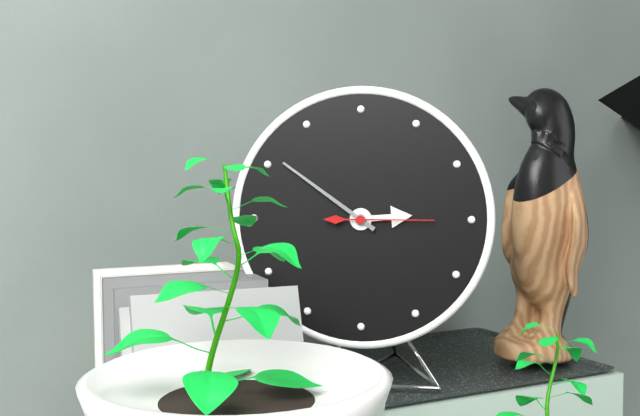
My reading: 2:51:15
